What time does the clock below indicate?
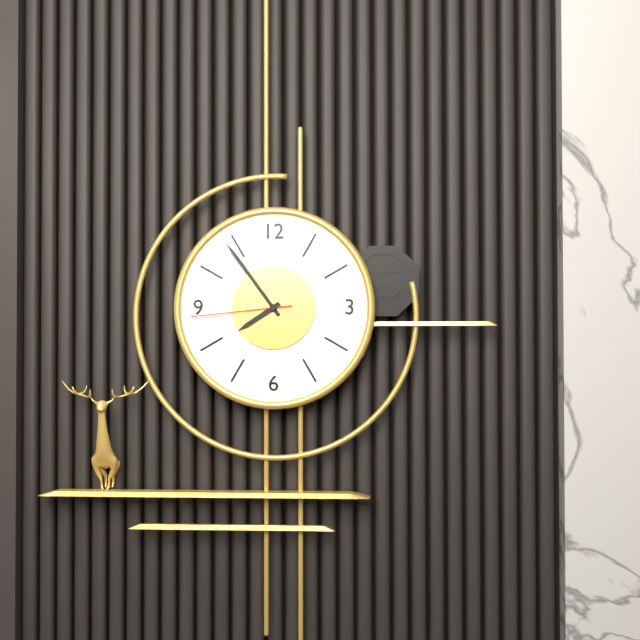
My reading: 7:54:44
